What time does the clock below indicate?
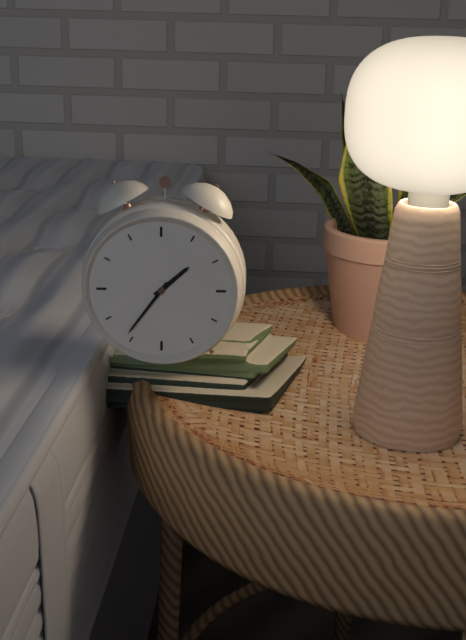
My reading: 1:36
